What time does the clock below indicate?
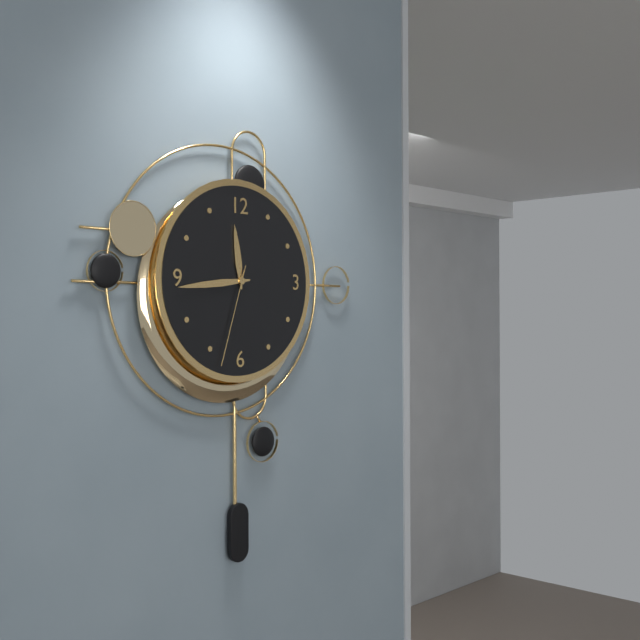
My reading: 11:44:33
